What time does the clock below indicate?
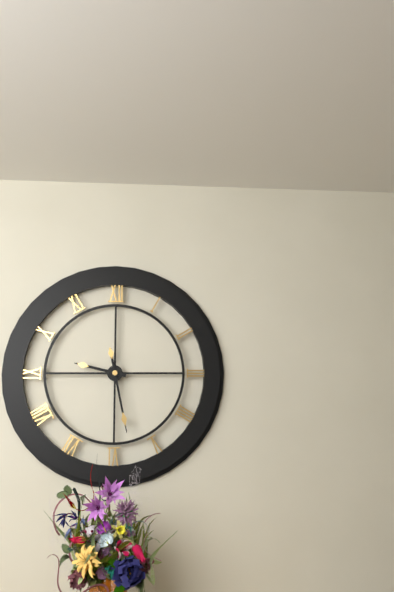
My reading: 9:28
